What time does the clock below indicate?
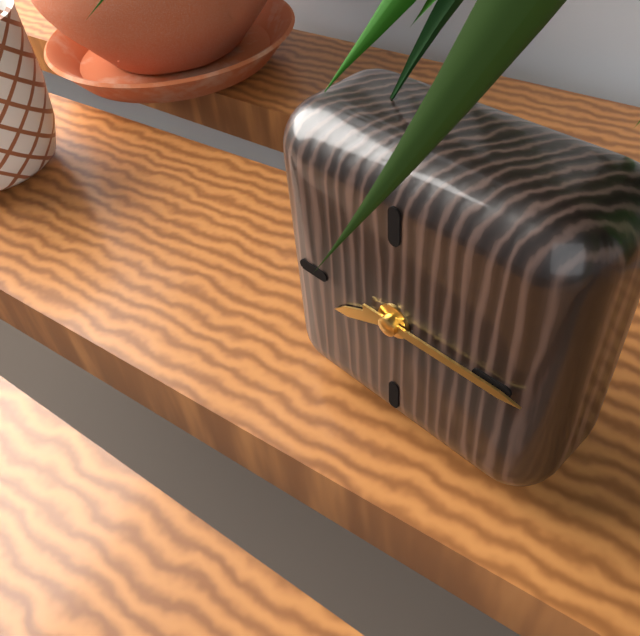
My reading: 8:15
